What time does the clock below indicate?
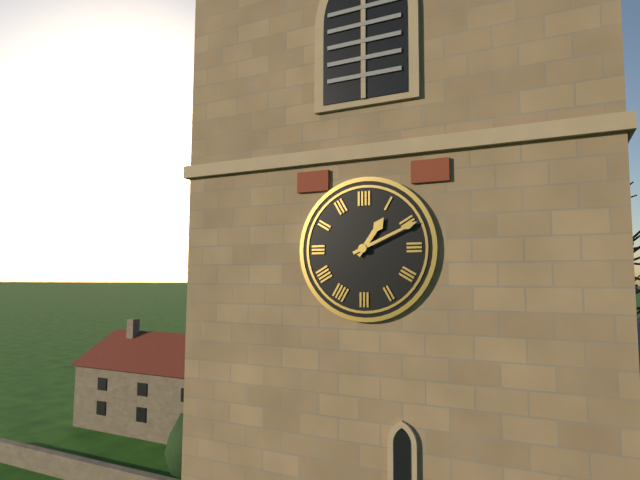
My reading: 1:11
